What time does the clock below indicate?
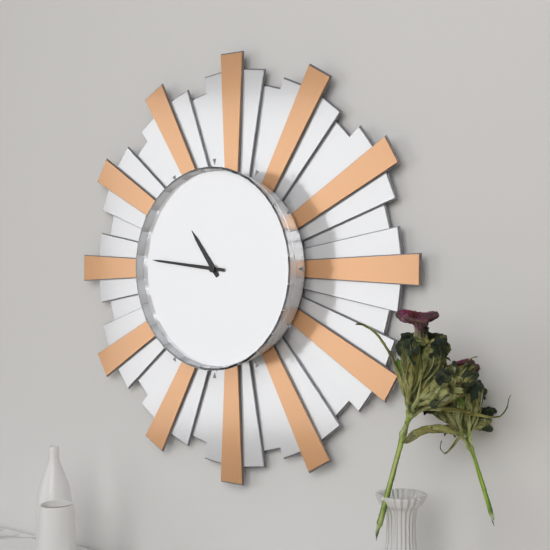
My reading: 10:46
